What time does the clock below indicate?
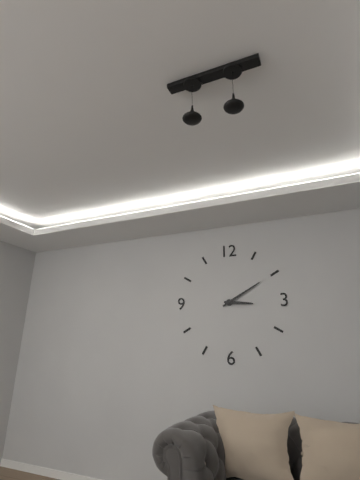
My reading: 3:10
